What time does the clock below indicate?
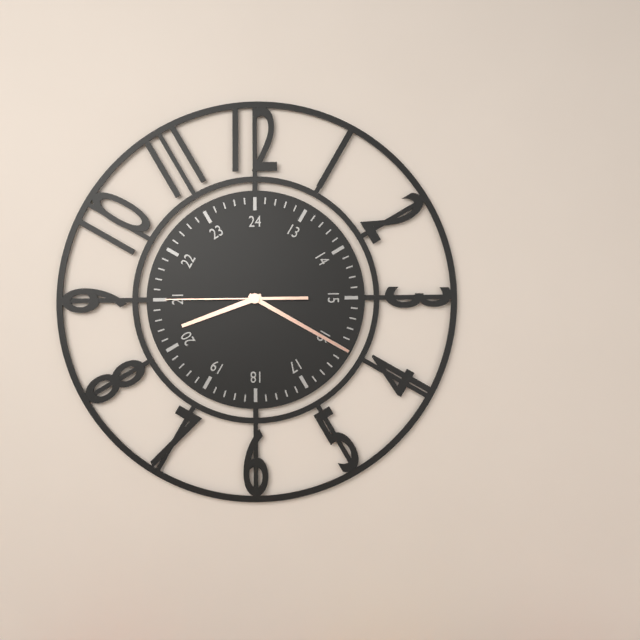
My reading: 8:20:45
